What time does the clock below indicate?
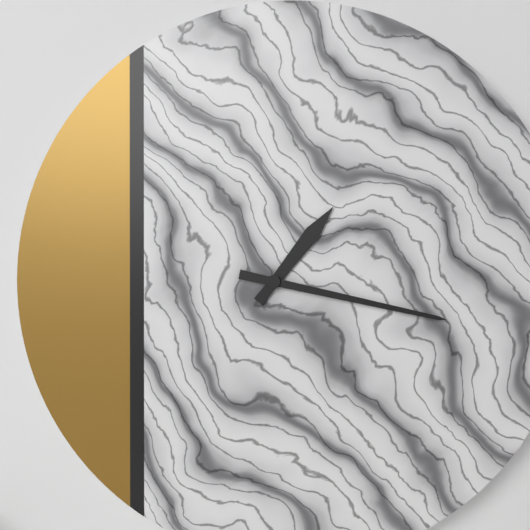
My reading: 1:17
